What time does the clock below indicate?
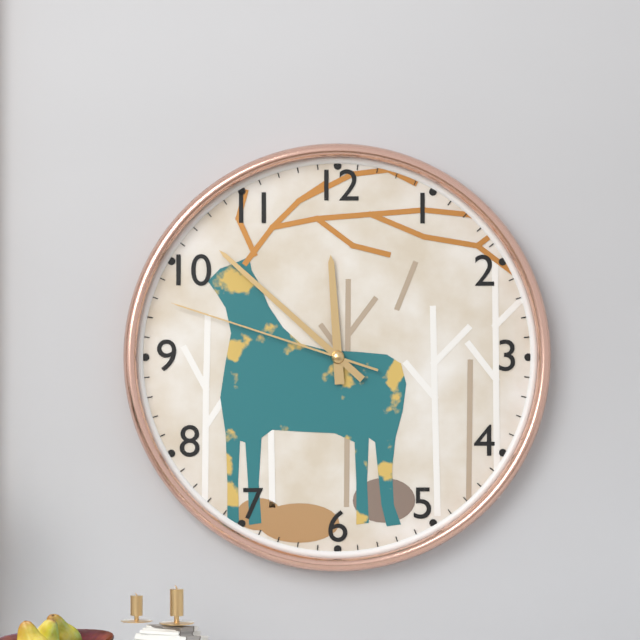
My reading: 11:52:48
